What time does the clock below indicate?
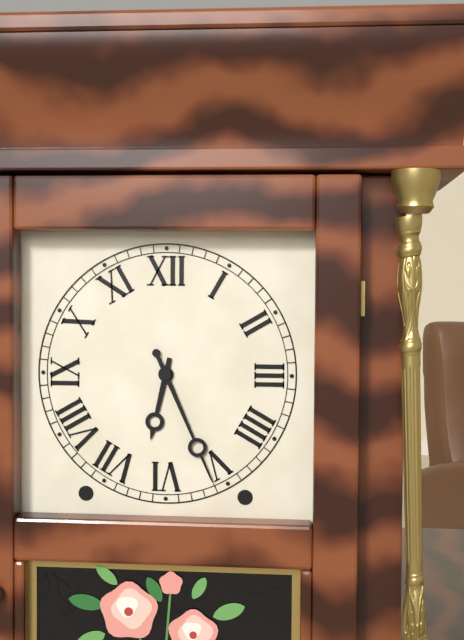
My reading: 6:26
